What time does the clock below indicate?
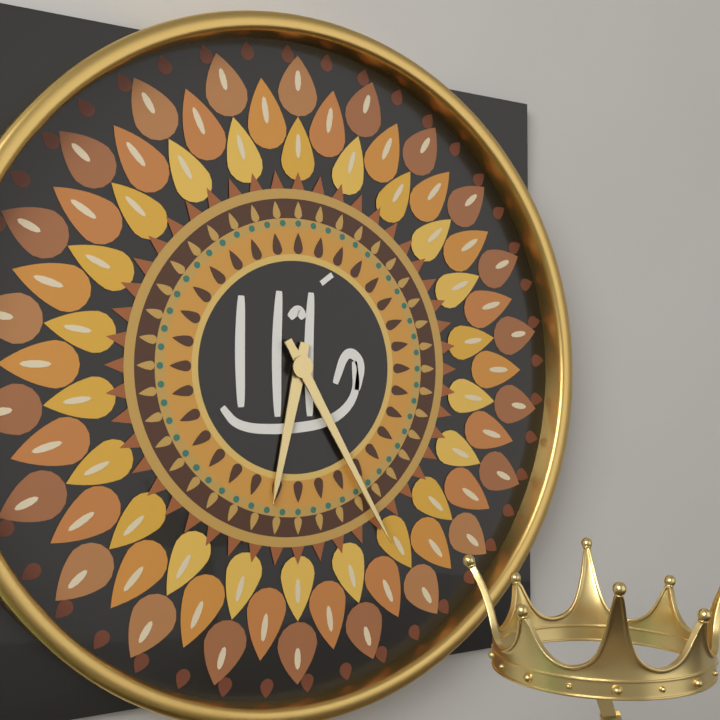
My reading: 6:25
